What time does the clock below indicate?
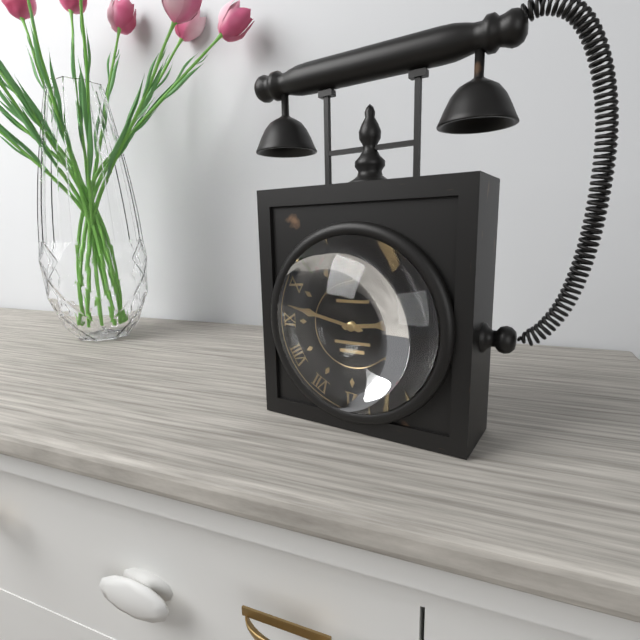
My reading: 2:47
